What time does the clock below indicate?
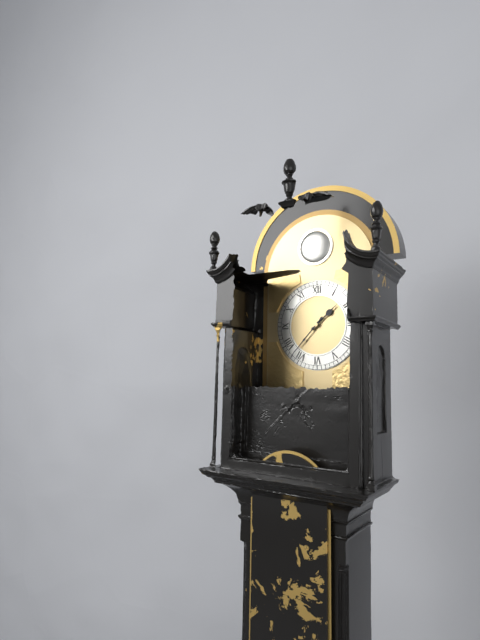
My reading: 1:37
